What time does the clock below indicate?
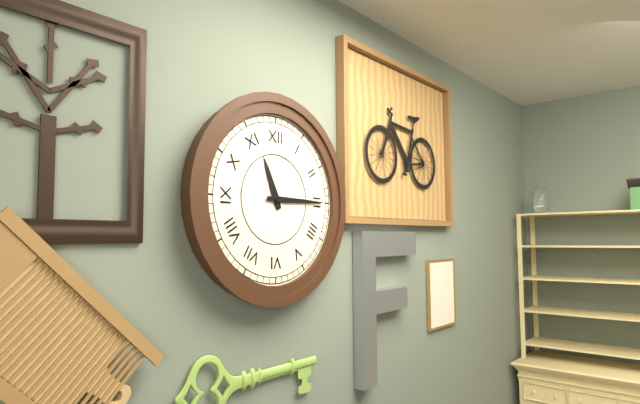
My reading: 11:15
